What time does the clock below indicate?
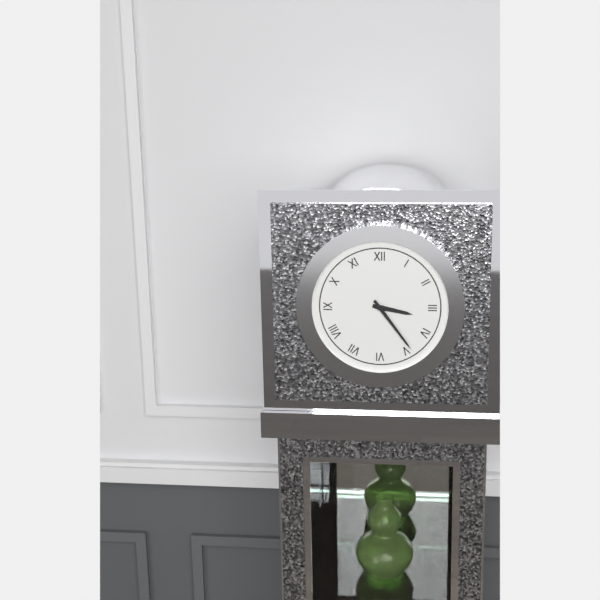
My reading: 3:24
